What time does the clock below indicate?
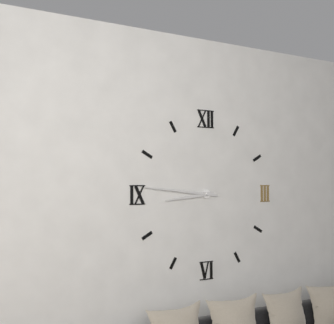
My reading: 8:46
